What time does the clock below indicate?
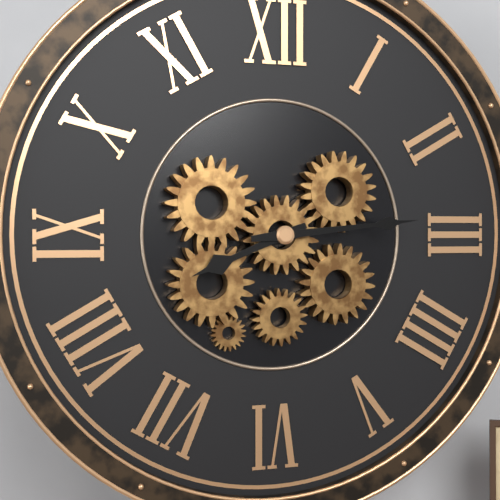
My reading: 8:14
